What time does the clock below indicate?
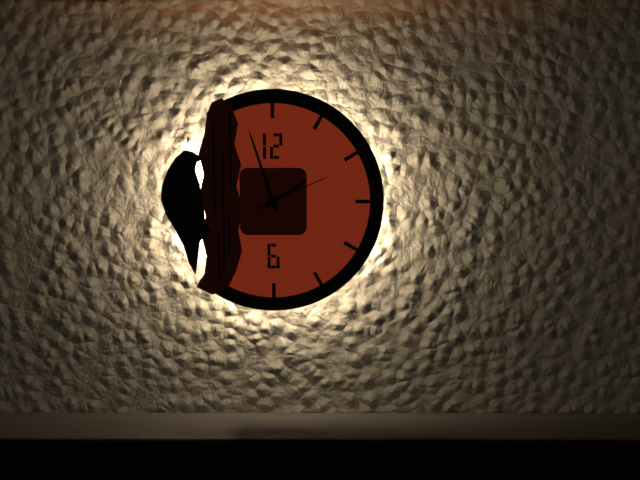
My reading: 1:57:11
